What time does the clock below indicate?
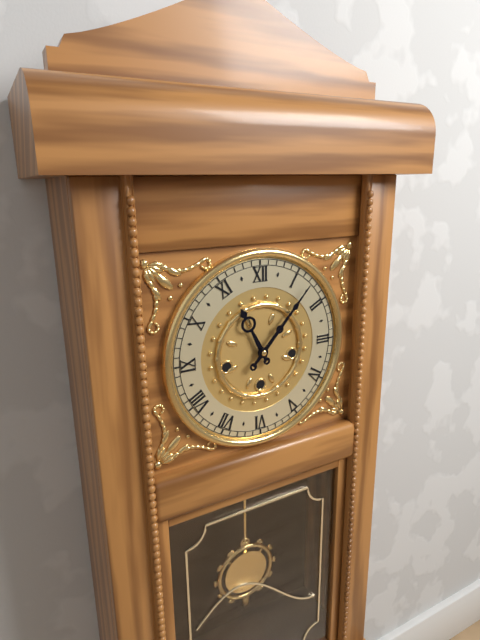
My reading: 11:07
